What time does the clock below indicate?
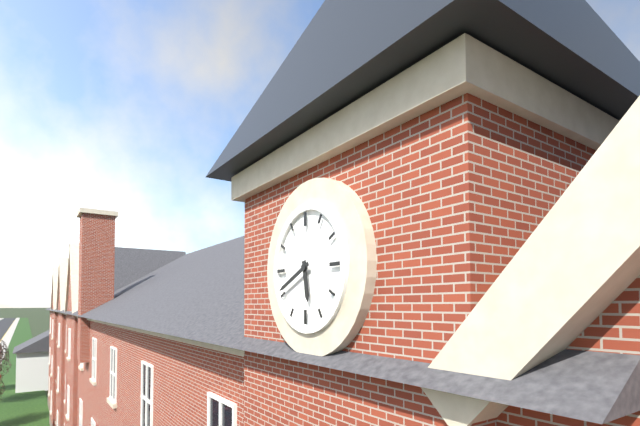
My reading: 5:41
